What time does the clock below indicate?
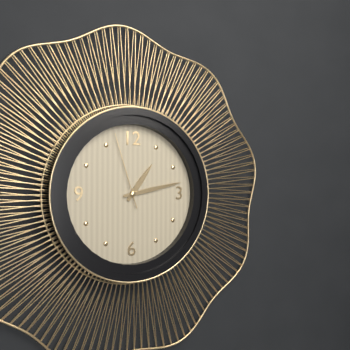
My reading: 1:13:57
